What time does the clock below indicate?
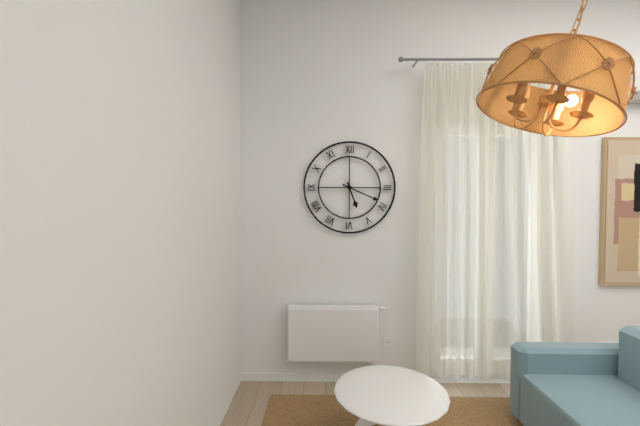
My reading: 5:19
